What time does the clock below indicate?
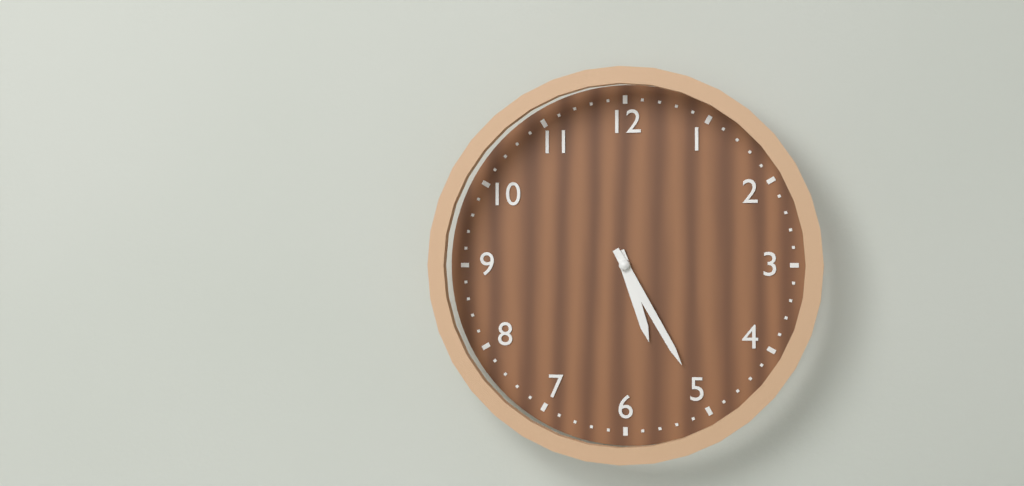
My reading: 5:25
